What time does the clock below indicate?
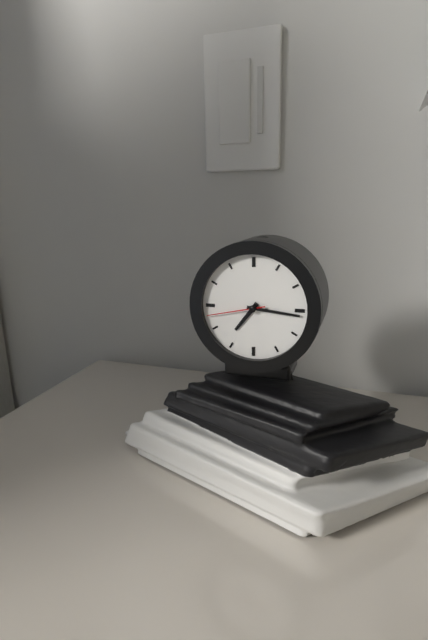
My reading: 7:16:43
